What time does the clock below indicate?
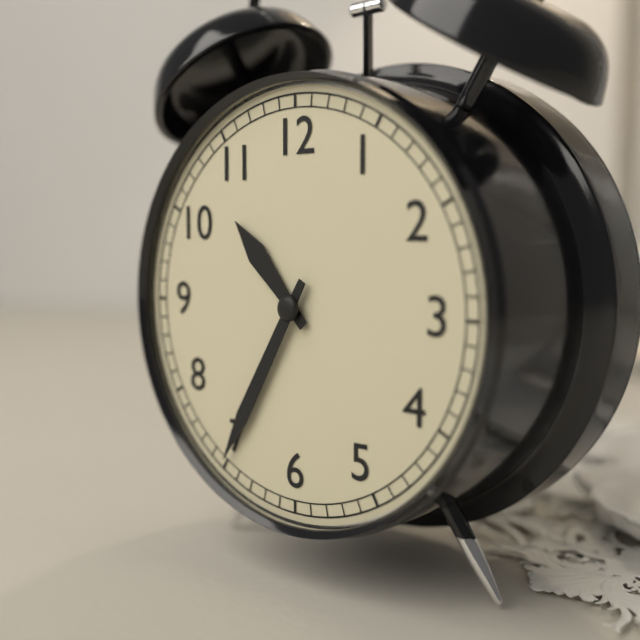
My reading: 10:35
